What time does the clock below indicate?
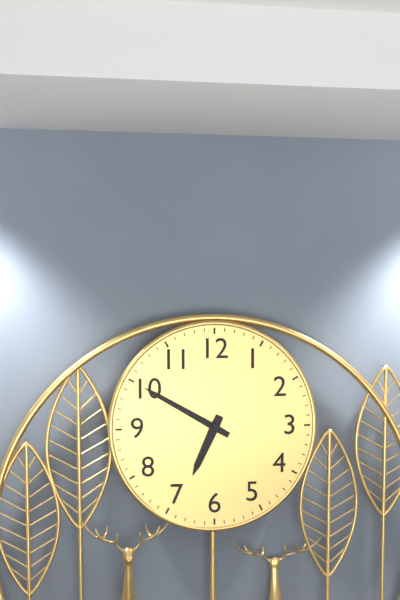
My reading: 6:50
